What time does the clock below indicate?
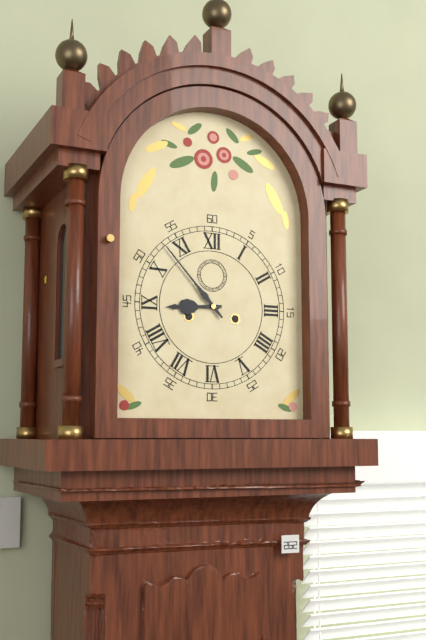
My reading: 8:53
